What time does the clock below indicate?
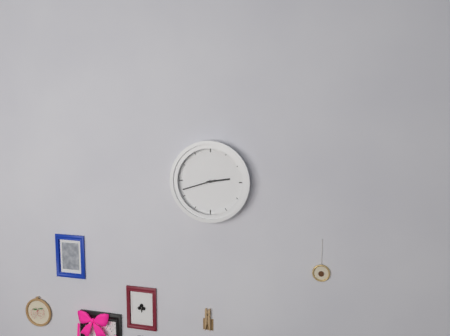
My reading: 2:42
